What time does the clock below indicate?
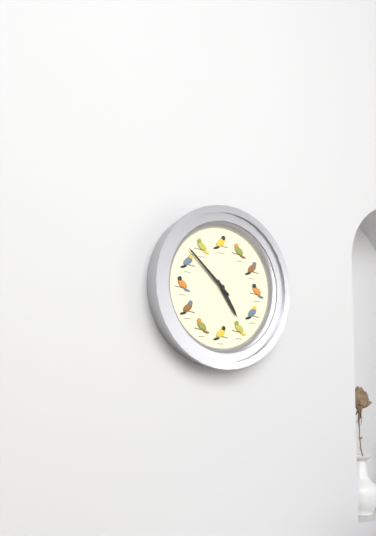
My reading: 4:52
